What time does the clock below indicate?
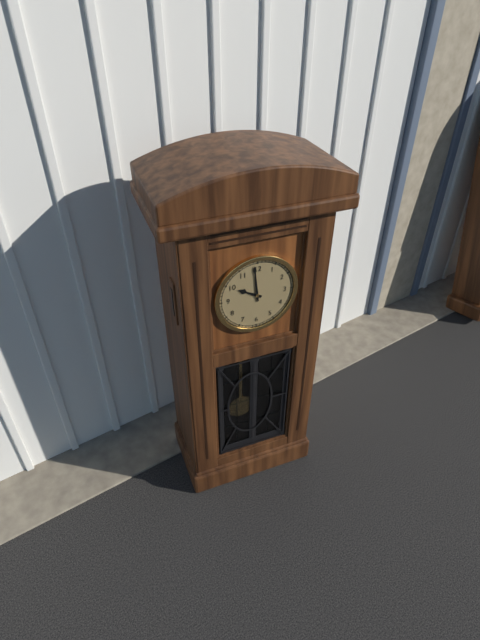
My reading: 9:59
